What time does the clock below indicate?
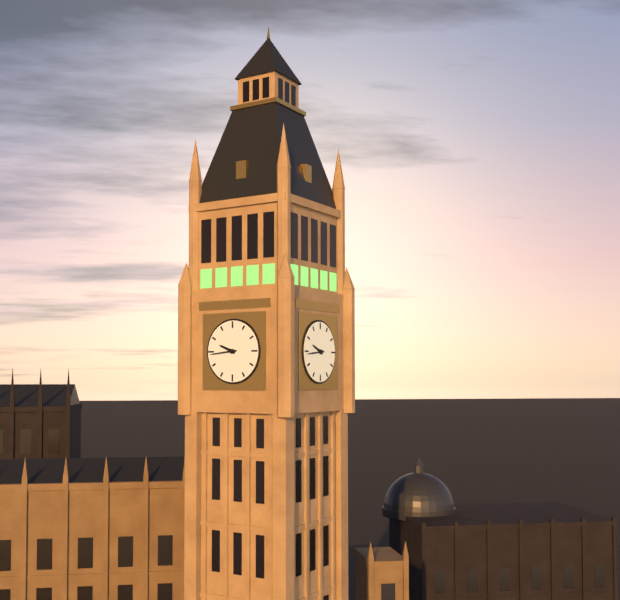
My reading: 9:44
